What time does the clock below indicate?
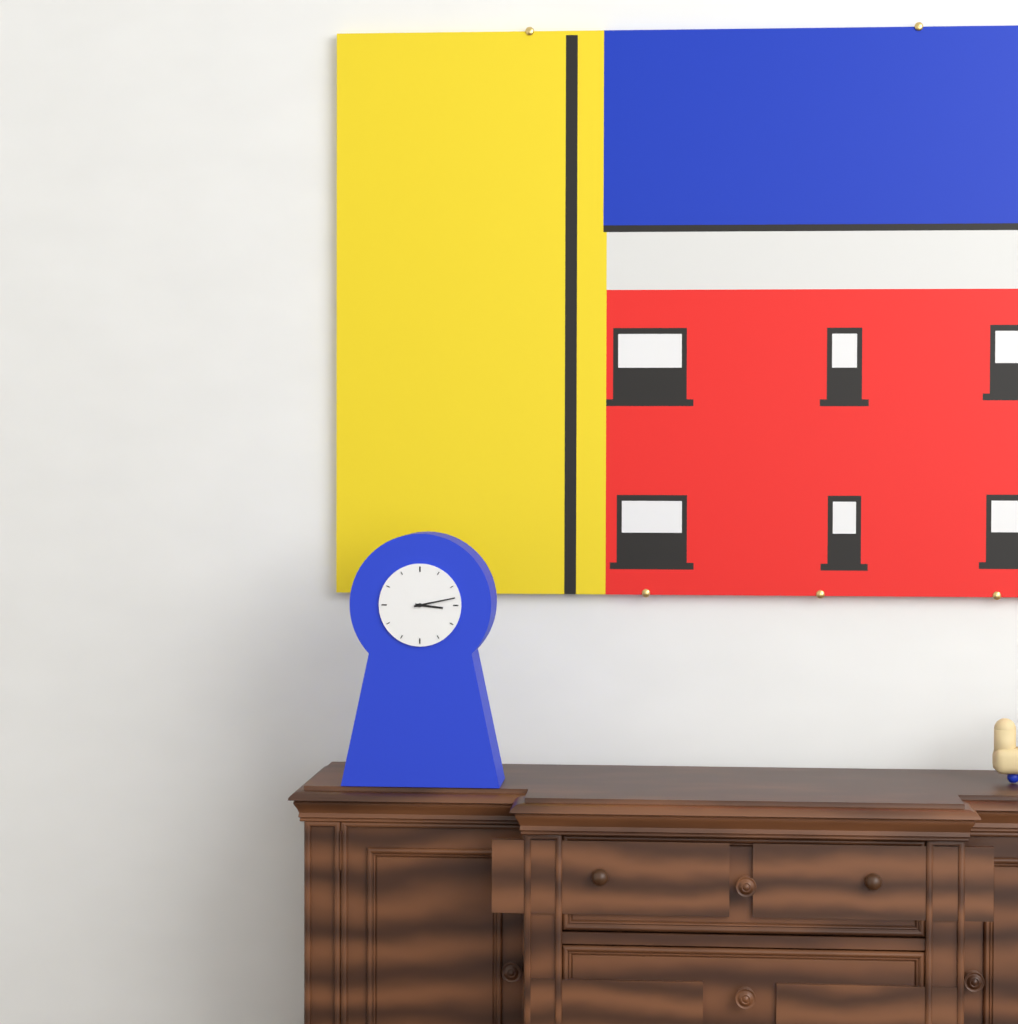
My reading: 3:13
